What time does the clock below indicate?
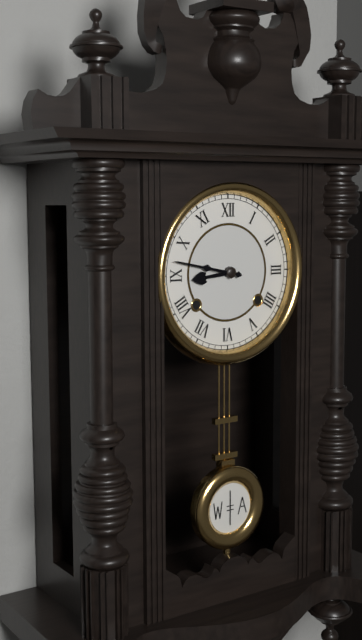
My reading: 8:47
